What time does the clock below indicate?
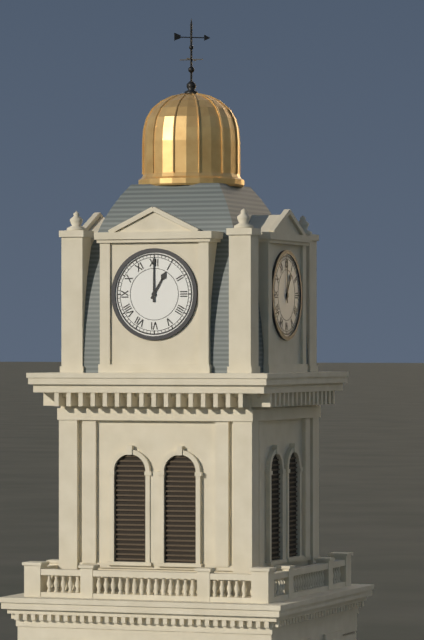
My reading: 1:00
